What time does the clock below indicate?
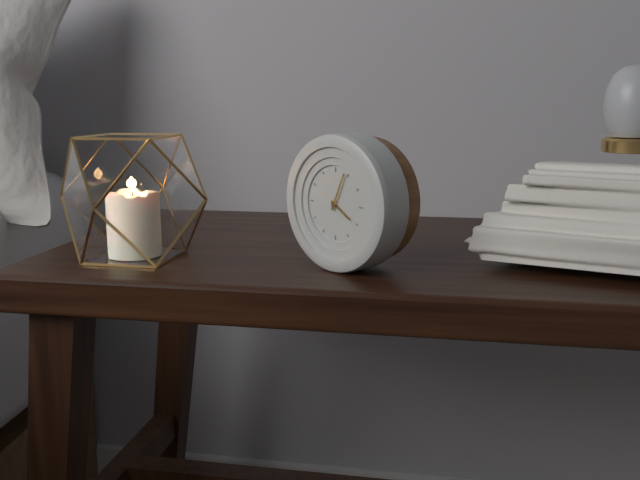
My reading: 4:04
